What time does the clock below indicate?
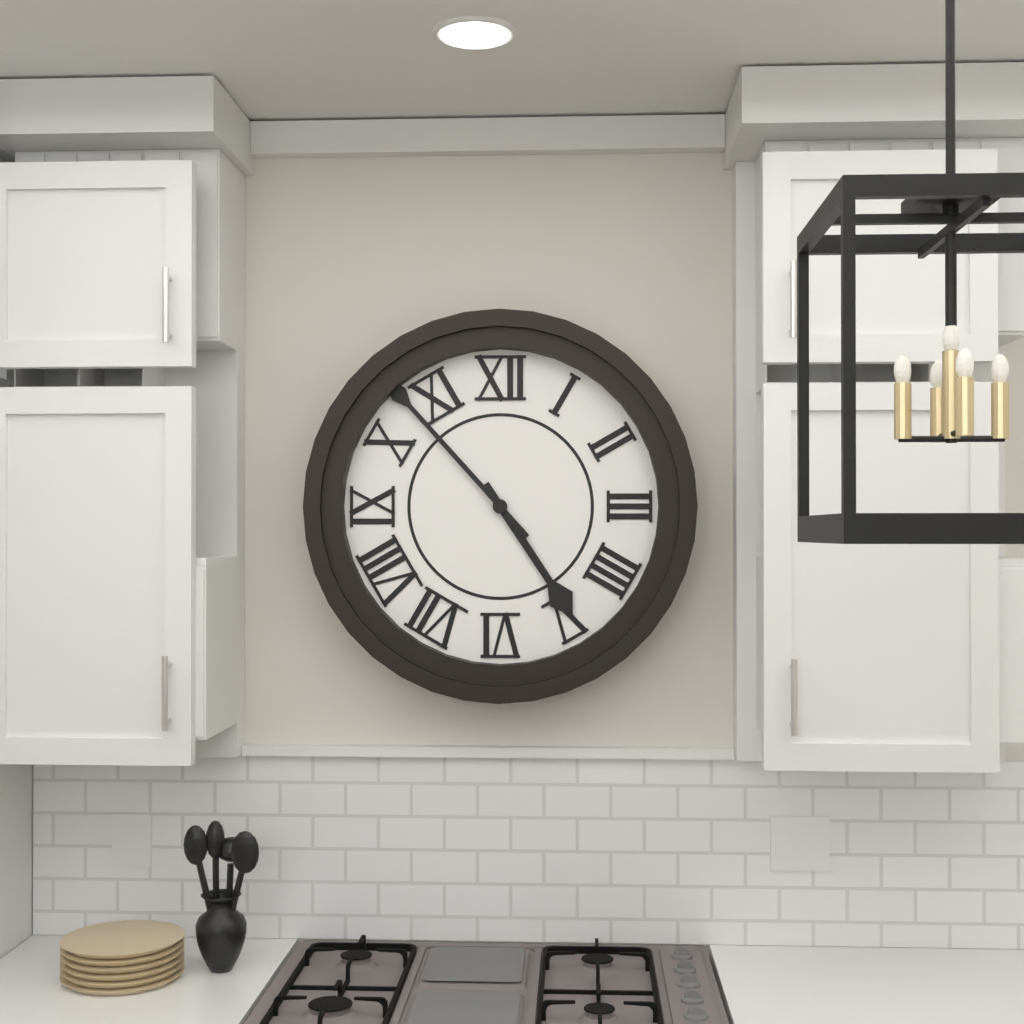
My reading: 4:53
